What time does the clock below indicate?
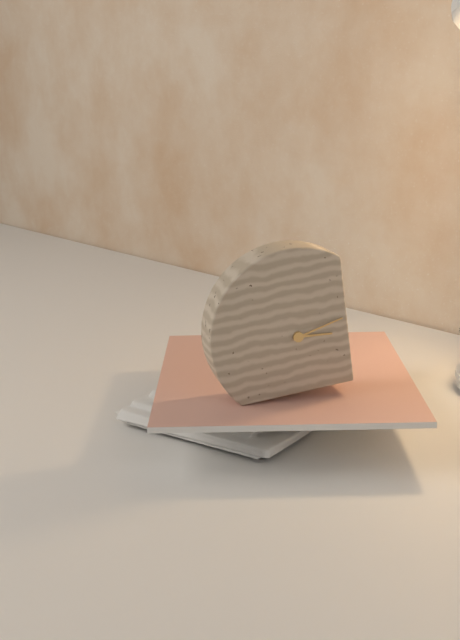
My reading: 3:13
